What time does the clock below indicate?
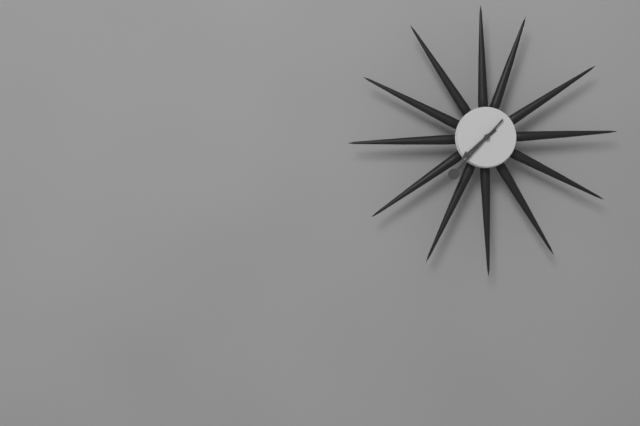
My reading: 7:37
